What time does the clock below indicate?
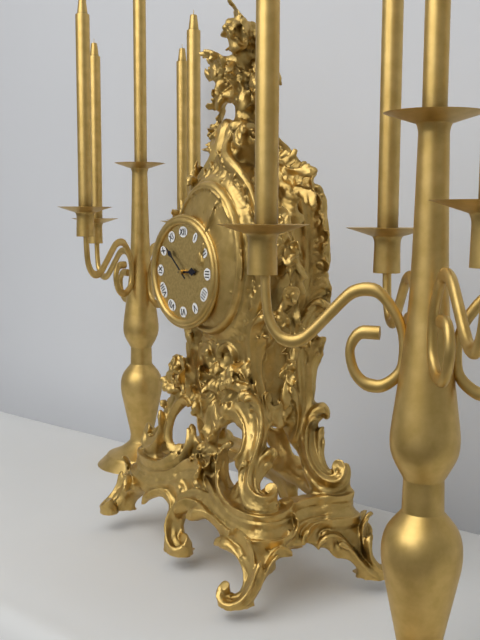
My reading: 2:52
